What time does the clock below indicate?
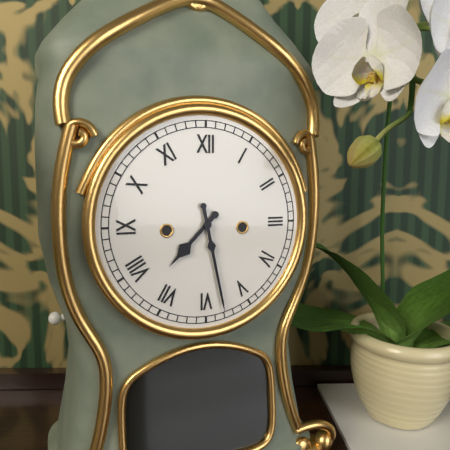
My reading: 7:28
